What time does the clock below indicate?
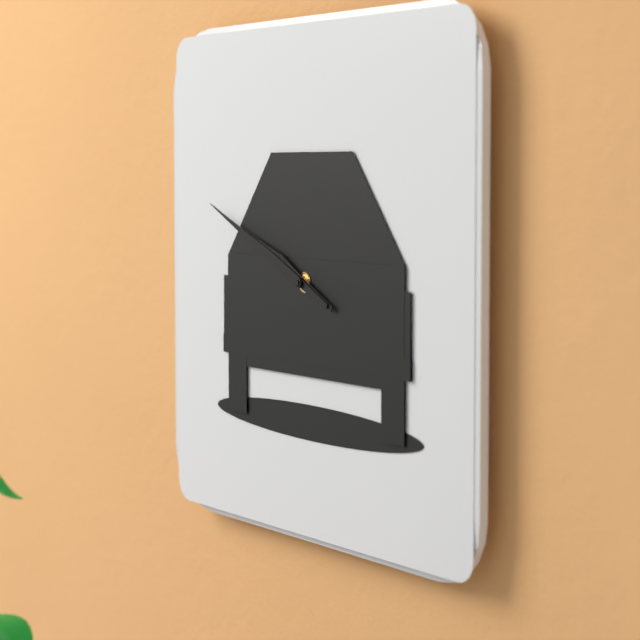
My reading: 9:49
